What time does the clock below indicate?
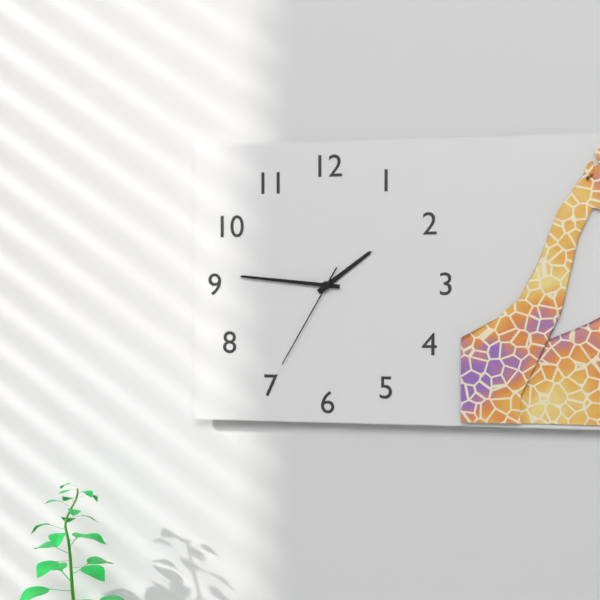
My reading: 1:46:35
